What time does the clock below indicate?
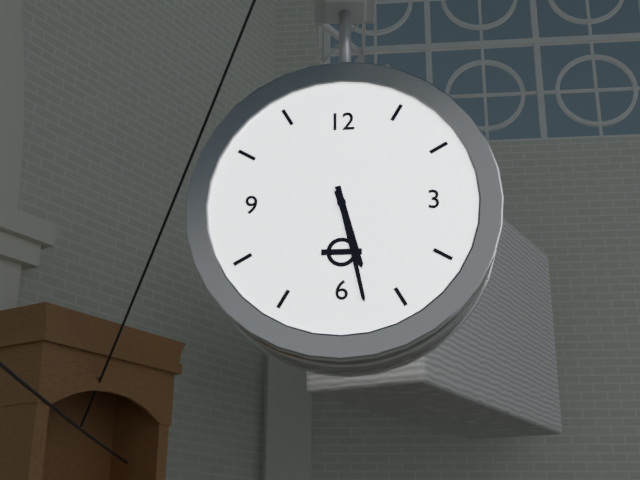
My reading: 5:28
